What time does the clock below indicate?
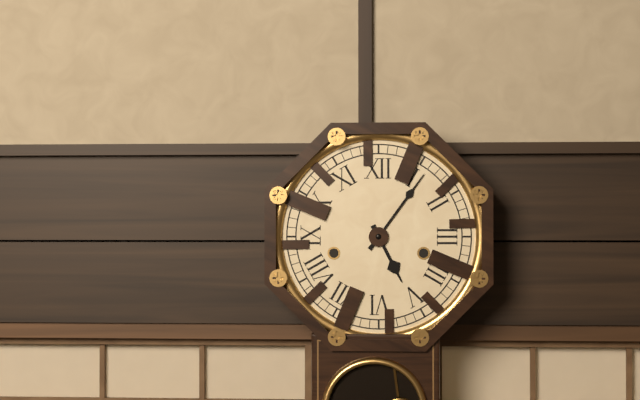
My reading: 5:06
